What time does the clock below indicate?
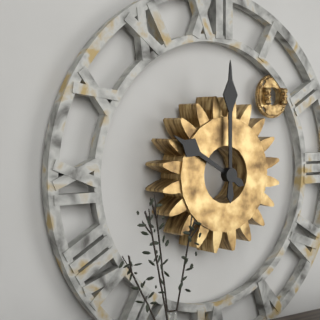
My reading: 10:00
